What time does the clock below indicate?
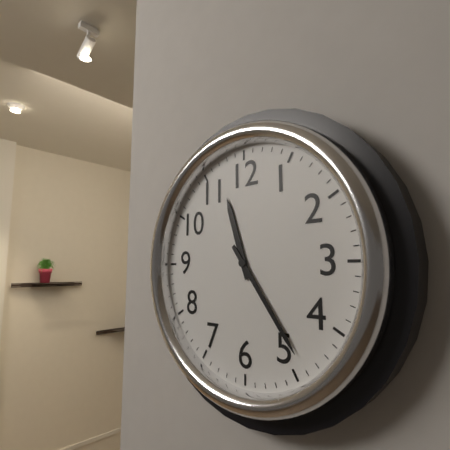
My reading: 11:24
